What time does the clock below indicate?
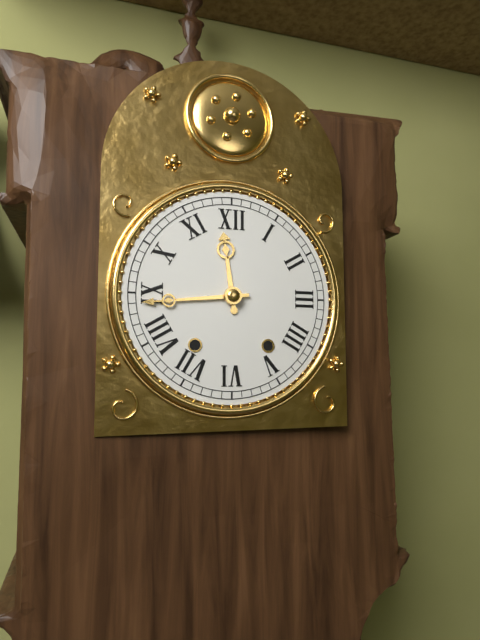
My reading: 11:44
